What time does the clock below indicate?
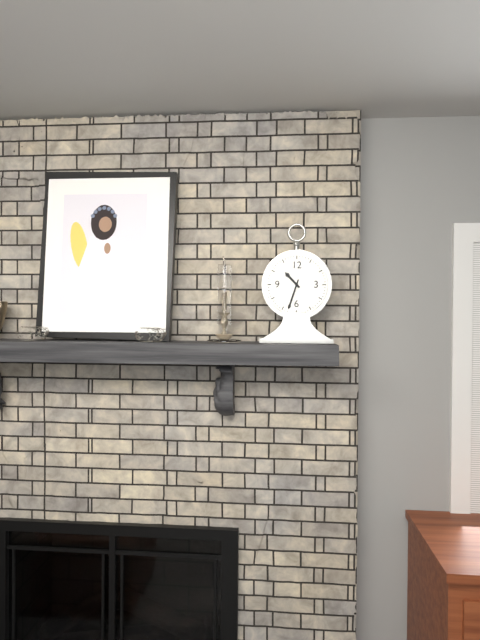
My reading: 10:33
